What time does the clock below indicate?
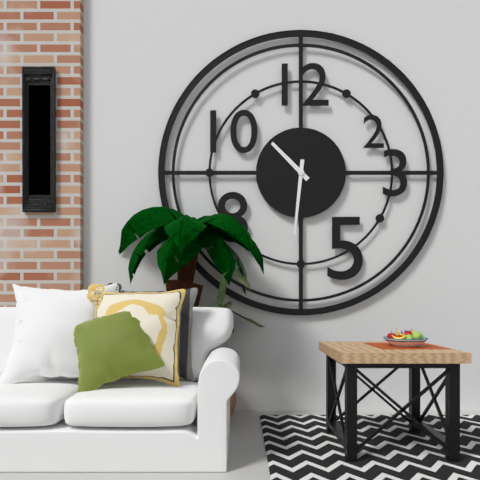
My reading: 10:31
